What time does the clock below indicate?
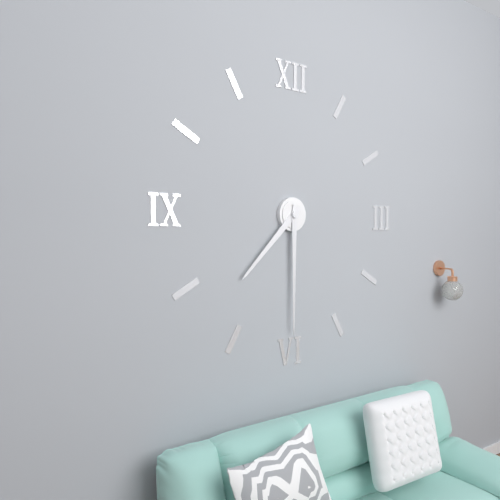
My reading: 7:30
